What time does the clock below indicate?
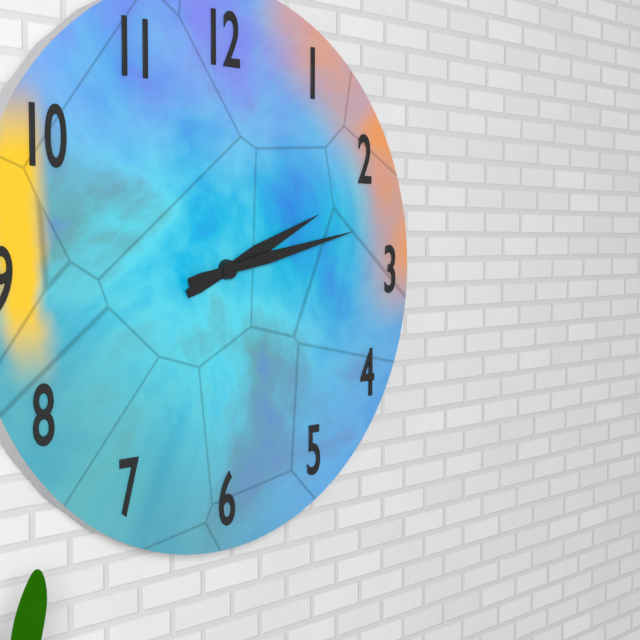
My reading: 2:13
